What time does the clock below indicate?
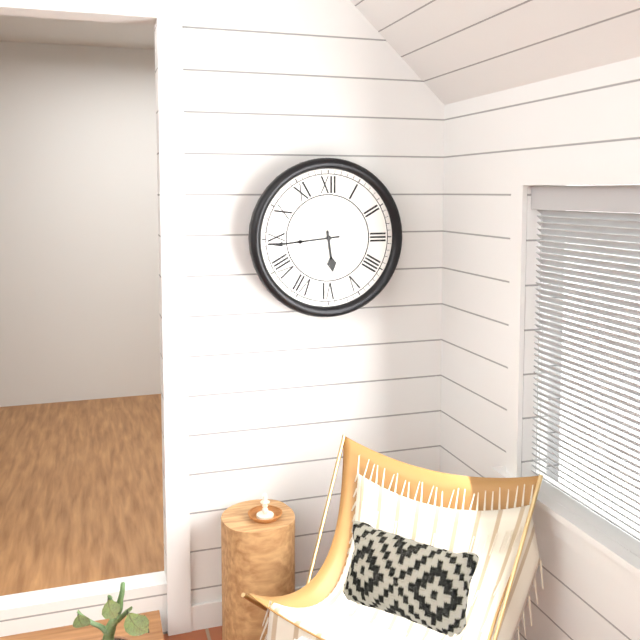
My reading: 5:44
